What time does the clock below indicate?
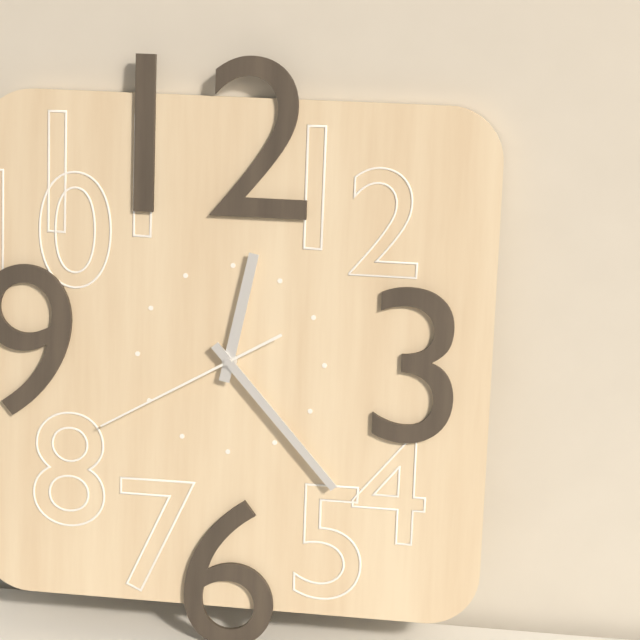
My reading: 12:23:40
